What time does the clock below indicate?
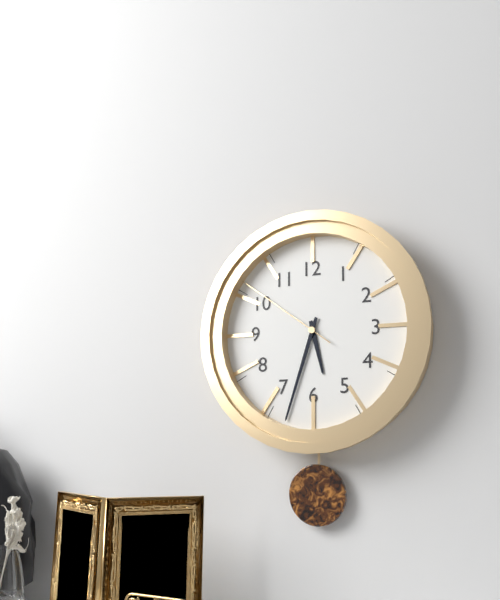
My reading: 5:33:51
